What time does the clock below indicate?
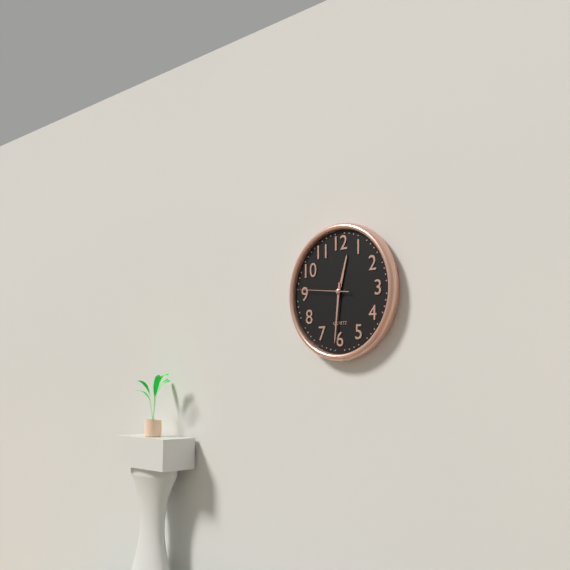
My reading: 12:31
